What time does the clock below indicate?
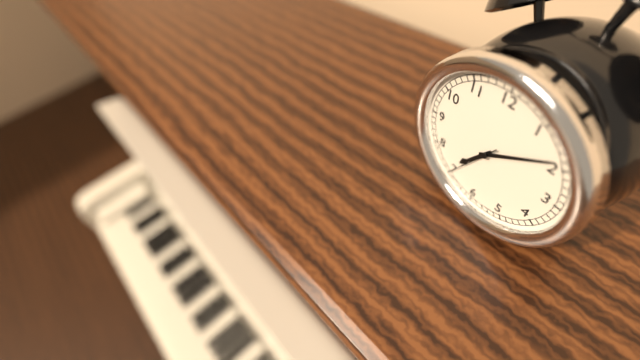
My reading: 7:09:35
